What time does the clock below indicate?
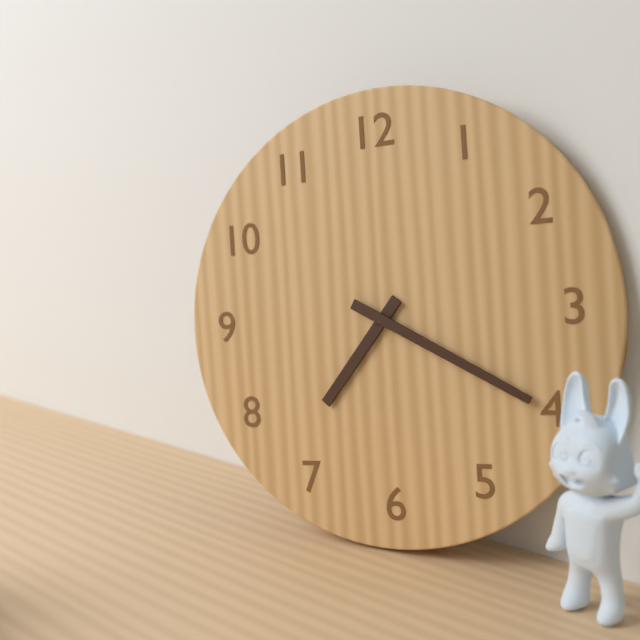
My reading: 7:20
